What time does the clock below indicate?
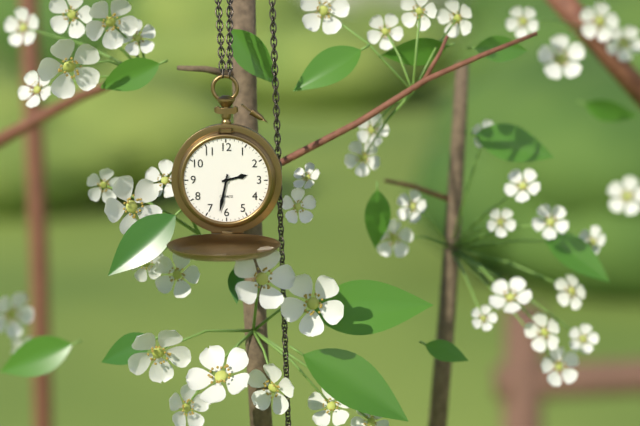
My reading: 2:32
